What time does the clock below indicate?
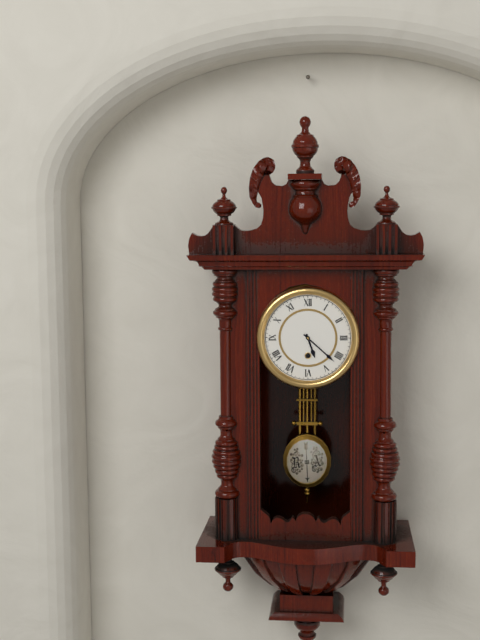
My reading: 5:22
